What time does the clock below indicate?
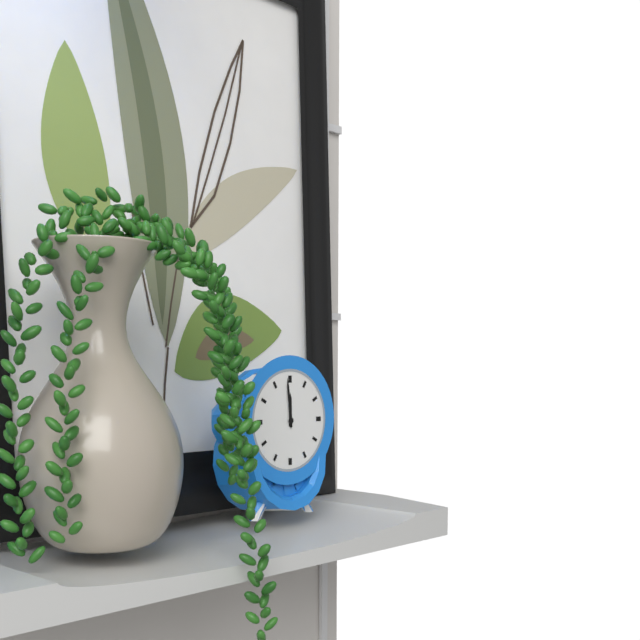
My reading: 11:59
